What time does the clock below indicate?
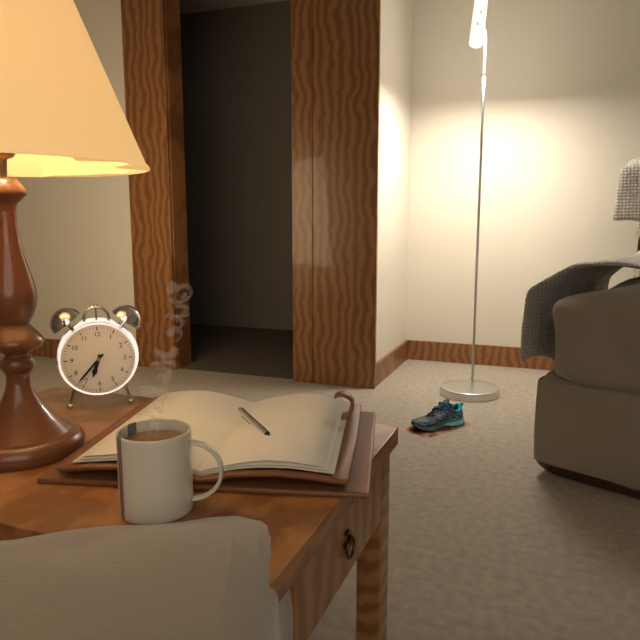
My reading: 6:37
